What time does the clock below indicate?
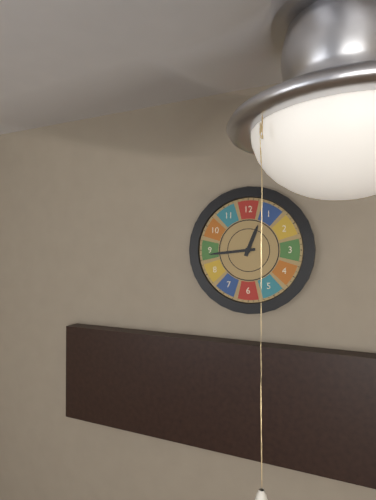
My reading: 12:44
